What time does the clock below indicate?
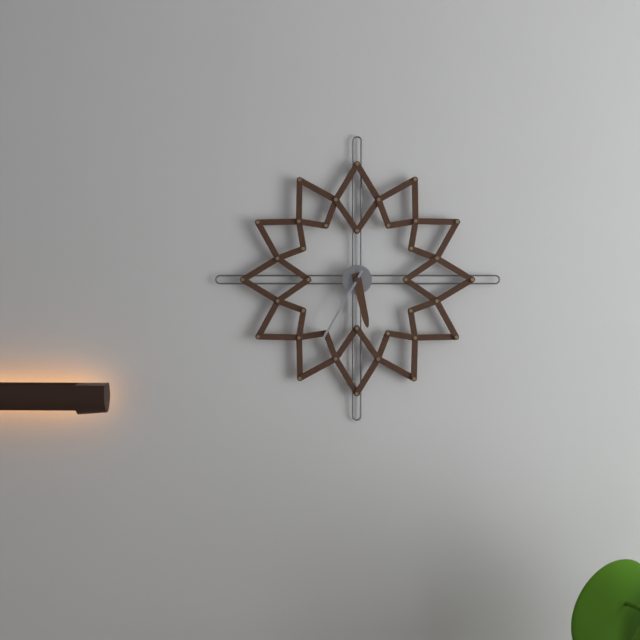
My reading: 5:35
